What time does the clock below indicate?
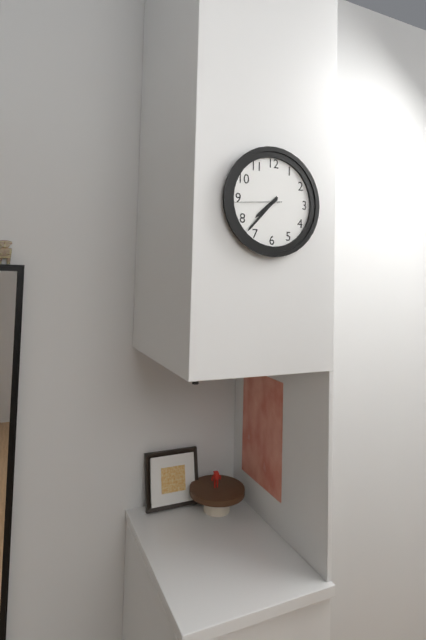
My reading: 7:37
